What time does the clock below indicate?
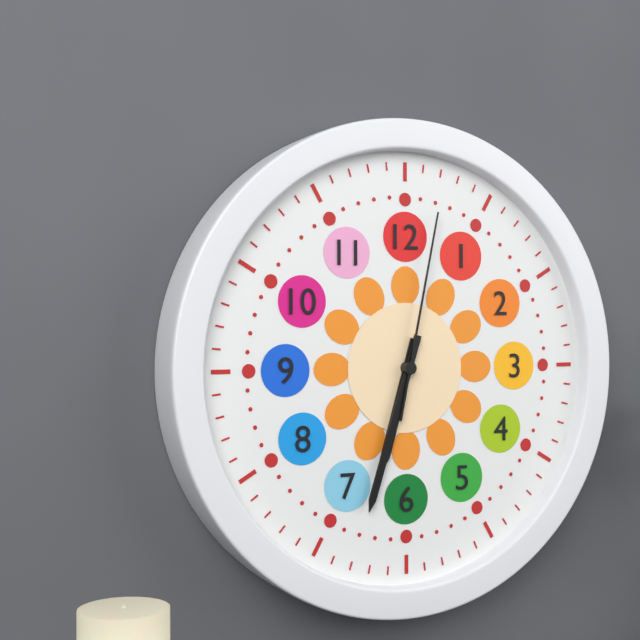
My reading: 6:33:02
